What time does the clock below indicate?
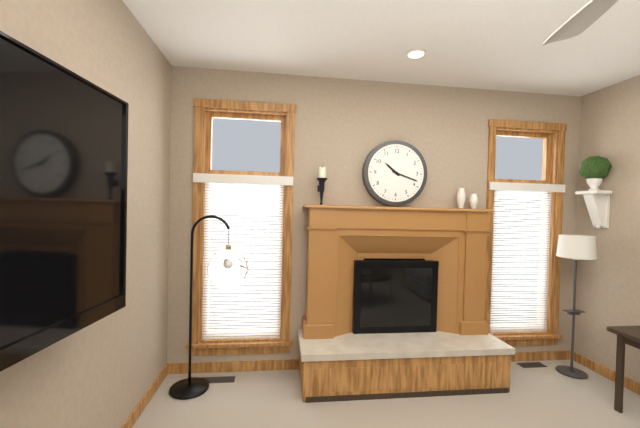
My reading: 10:18
